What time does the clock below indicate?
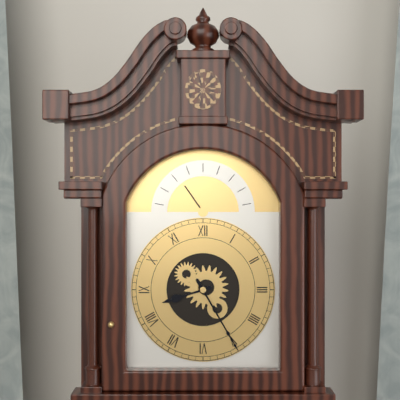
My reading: 8:25
